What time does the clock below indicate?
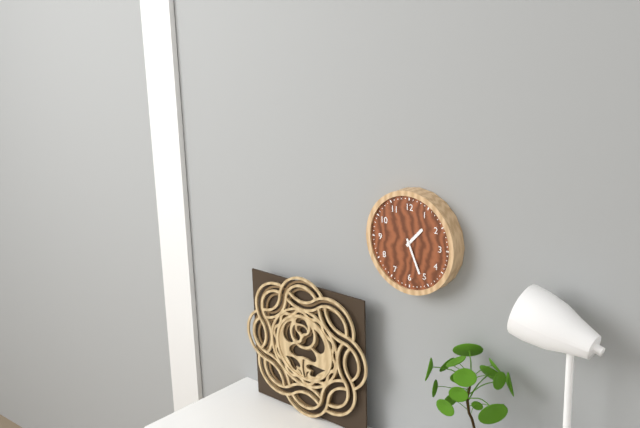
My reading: 1:26
